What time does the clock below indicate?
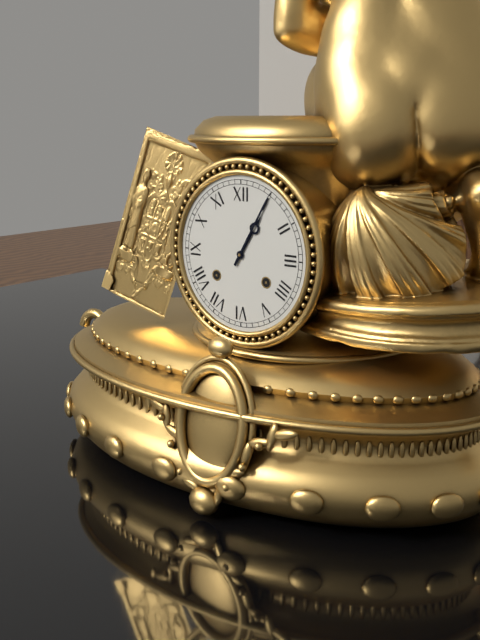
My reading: 1:05
